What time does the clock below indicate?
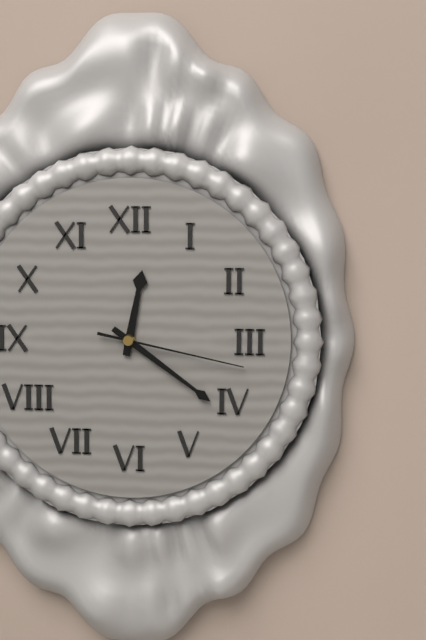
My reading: 12:21:17
